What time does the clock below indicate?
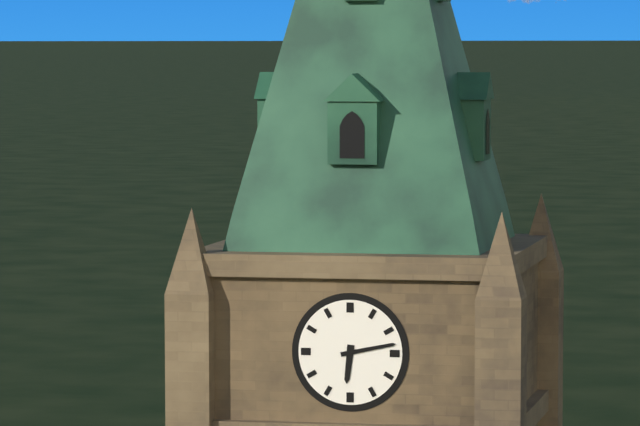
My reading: 6:13
